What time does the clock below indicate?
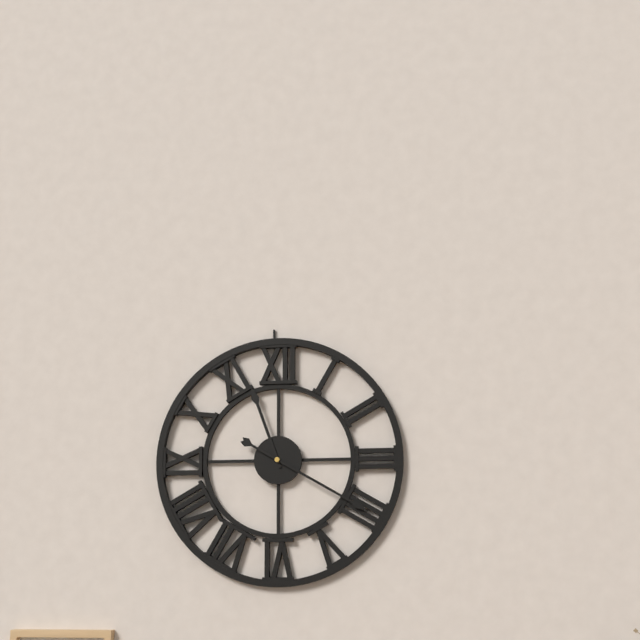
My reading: 11:20
